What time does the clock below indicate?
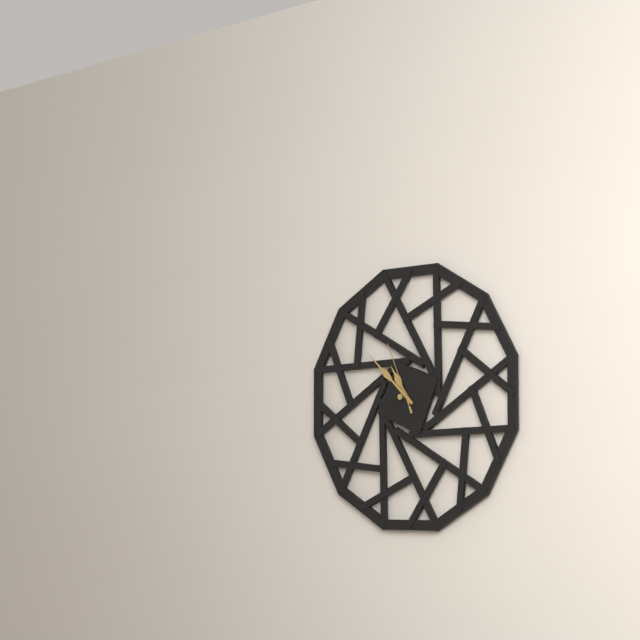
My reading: 10:52:56
